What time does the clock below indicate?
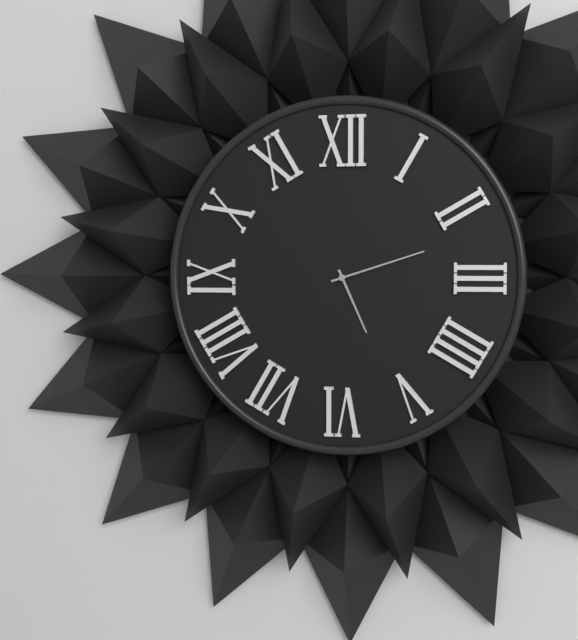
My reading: 5:12
